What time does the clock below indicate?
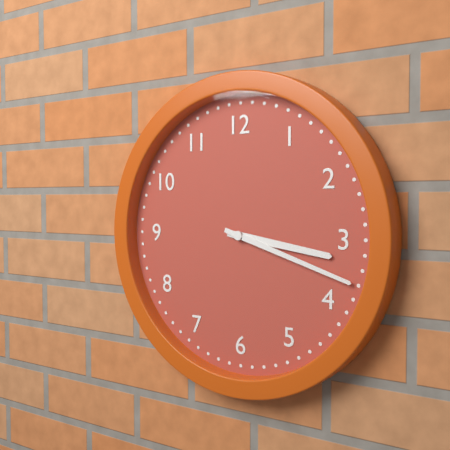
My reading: 3:18
